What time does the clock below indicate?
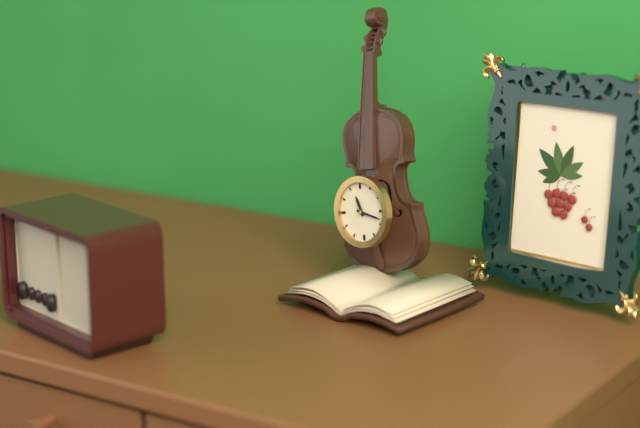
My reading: 11:18
